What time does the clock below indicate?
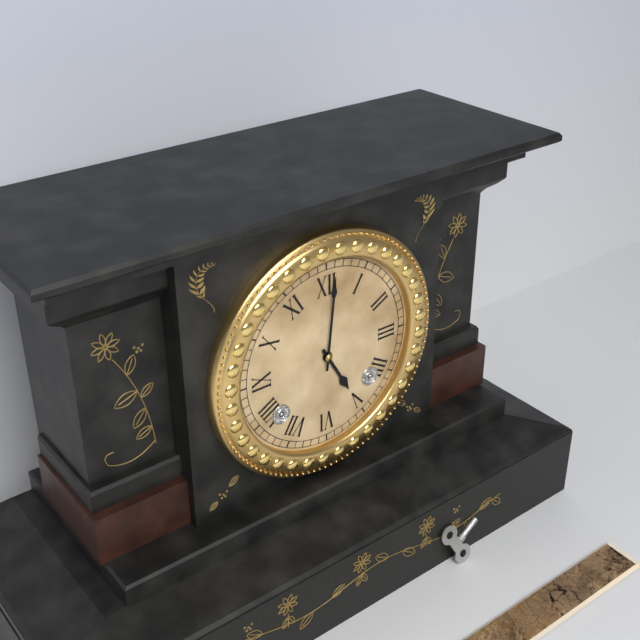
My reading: 5:01
